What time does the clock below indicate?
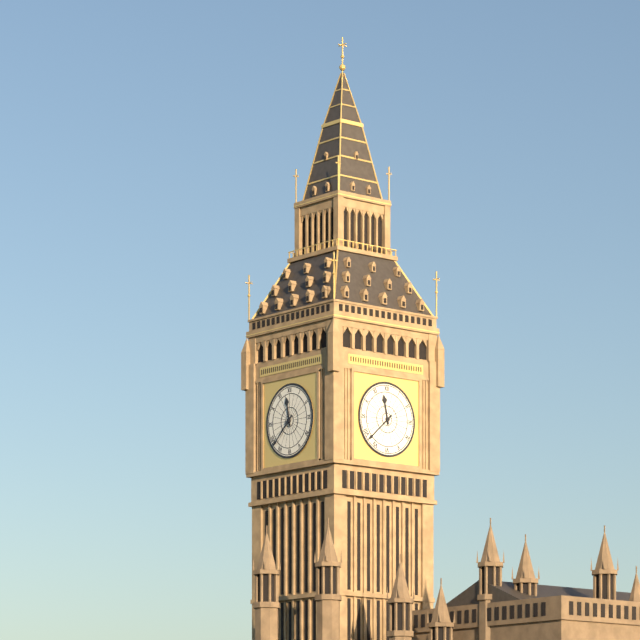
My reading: 11:38
